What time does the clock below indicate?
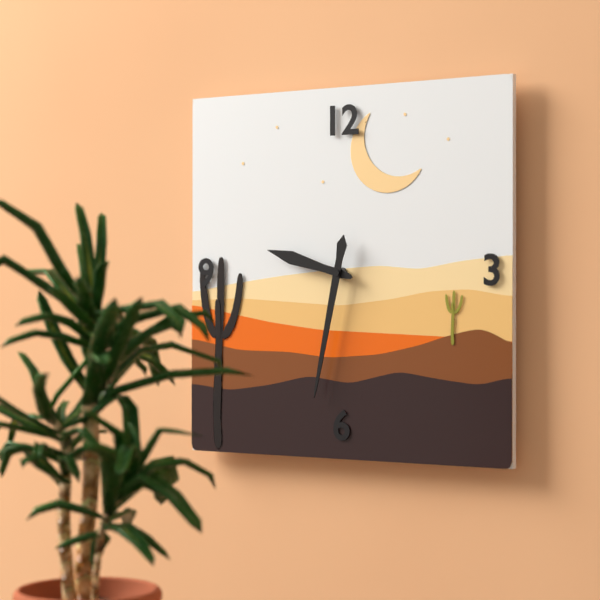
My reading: 9:32
